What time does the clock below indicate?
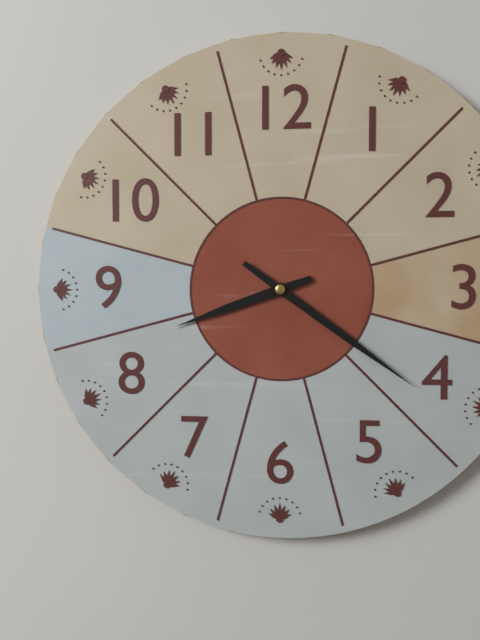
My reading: 8:21
